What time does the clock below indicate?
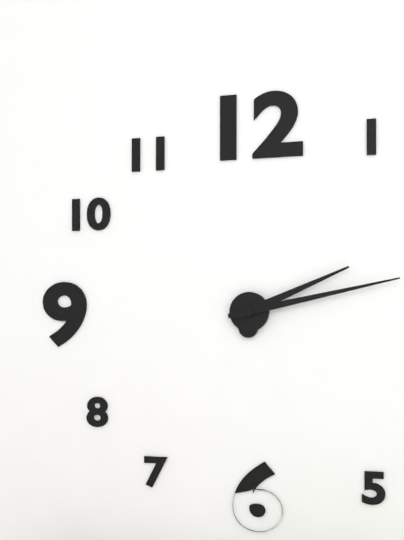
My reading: 2:13
